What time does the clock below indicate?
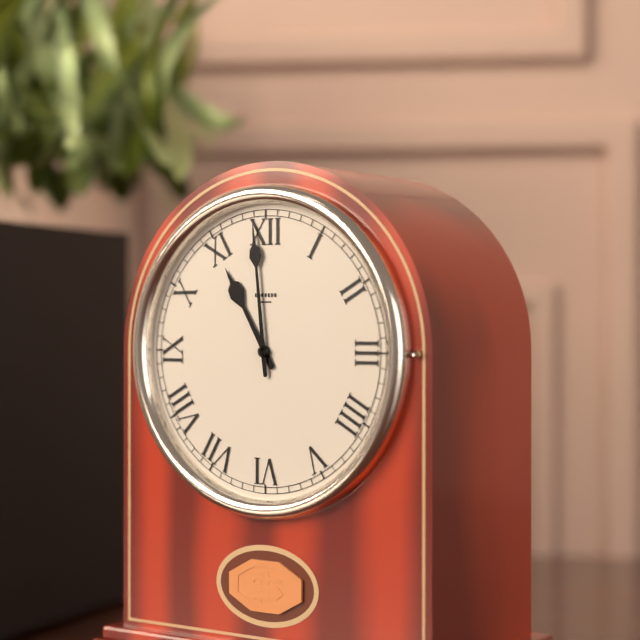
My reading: 10:59
